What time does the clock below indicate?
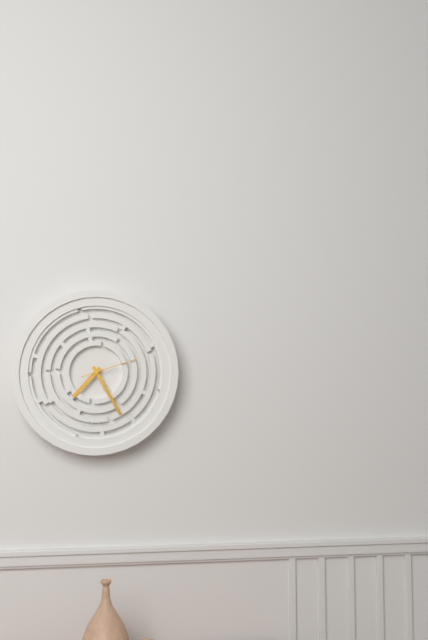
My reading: 7:25:12
